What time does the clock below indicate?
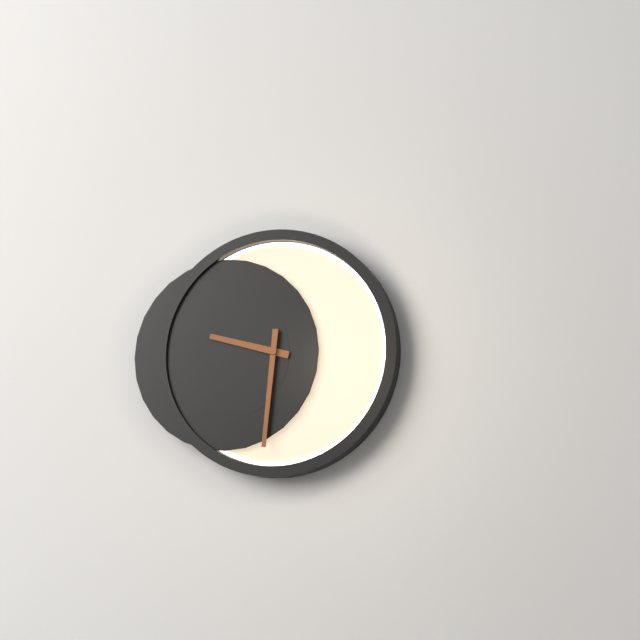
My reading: 9:31
